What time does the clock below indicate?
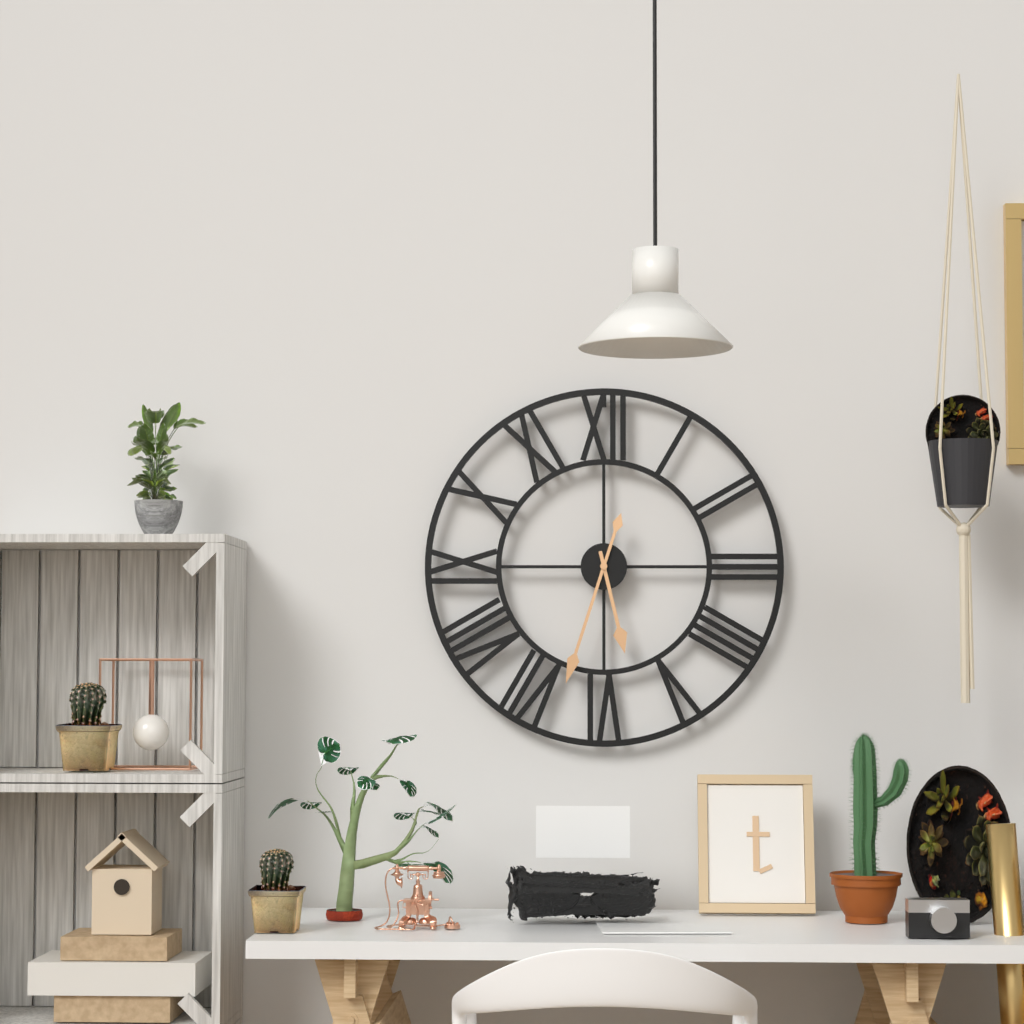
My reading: 5:33
